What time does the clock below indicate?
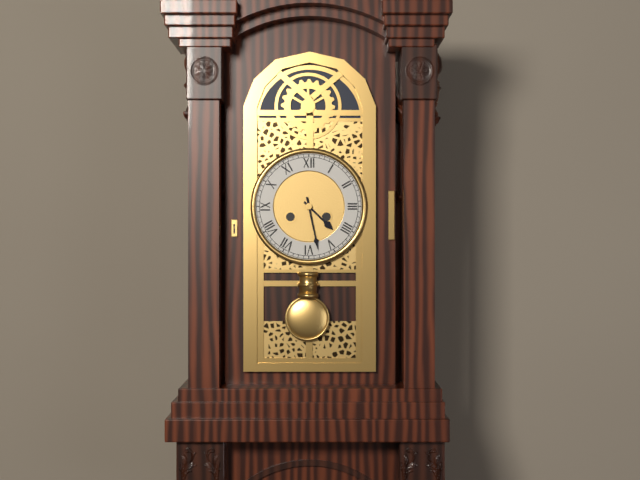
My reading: 4:28
